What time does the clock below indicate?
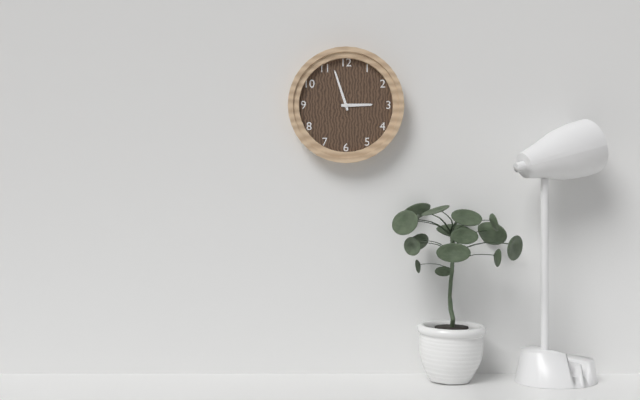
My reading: 2:57
